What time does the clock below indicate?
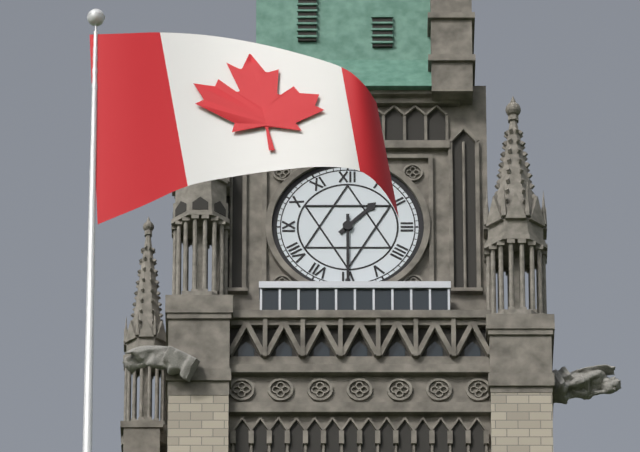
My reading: 1:30
